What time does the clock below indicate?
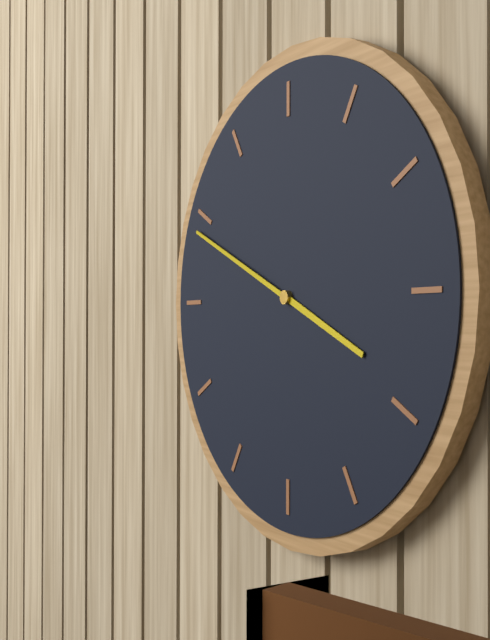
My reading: 3:49
